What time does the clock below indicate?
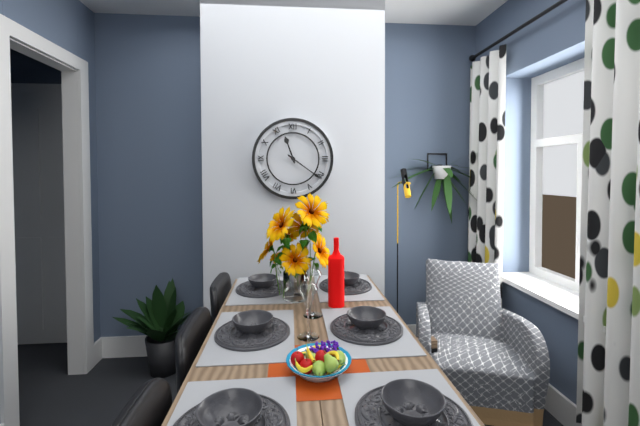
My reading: 11:21
